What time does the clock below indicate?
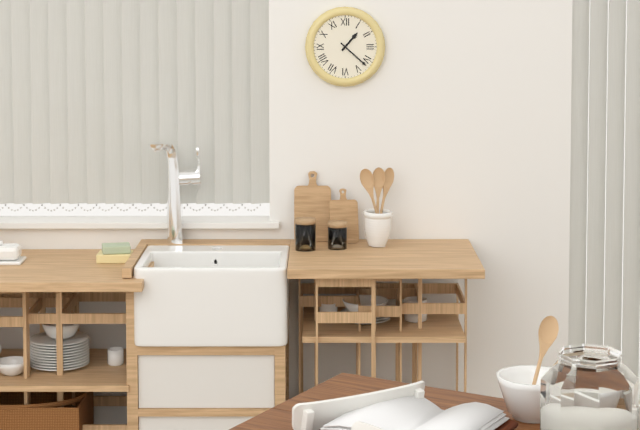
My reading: 1:22
